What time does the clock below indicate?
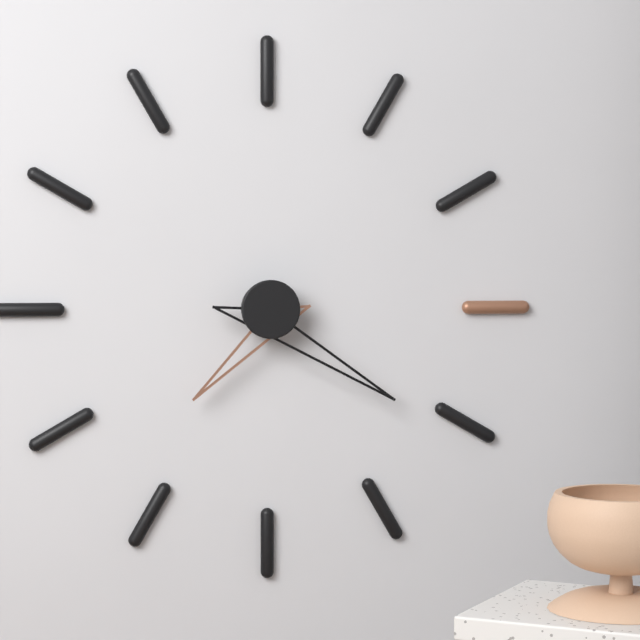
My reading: 7:21
